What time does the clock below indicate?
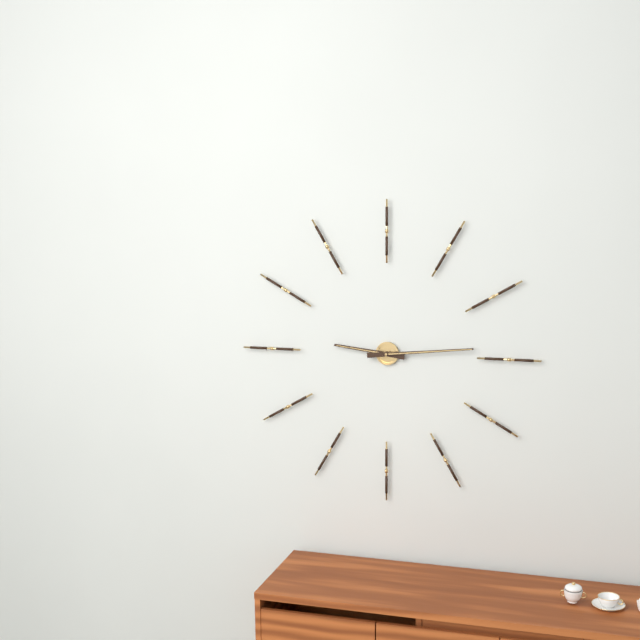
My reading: 9:14
